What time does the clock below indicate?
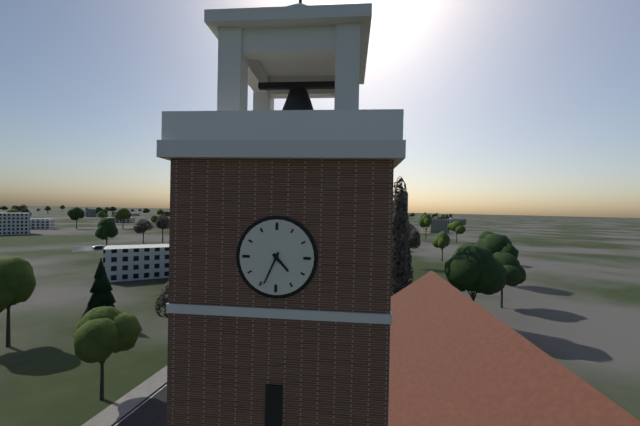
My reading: 4:34
